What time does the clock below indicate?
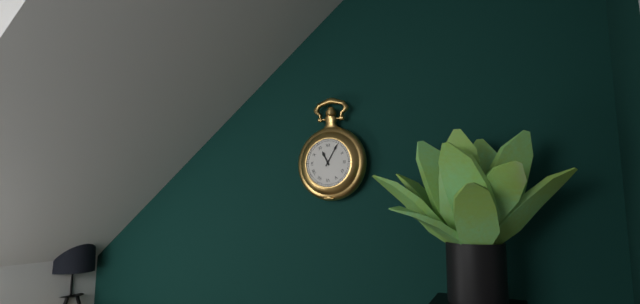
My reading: 11:05
